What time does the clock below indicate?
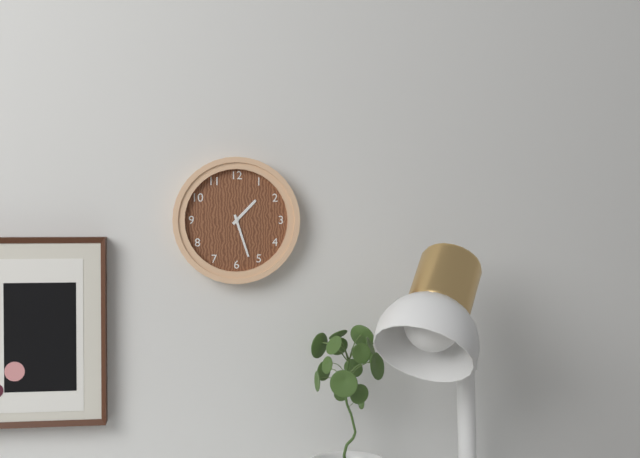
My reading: 1:27
